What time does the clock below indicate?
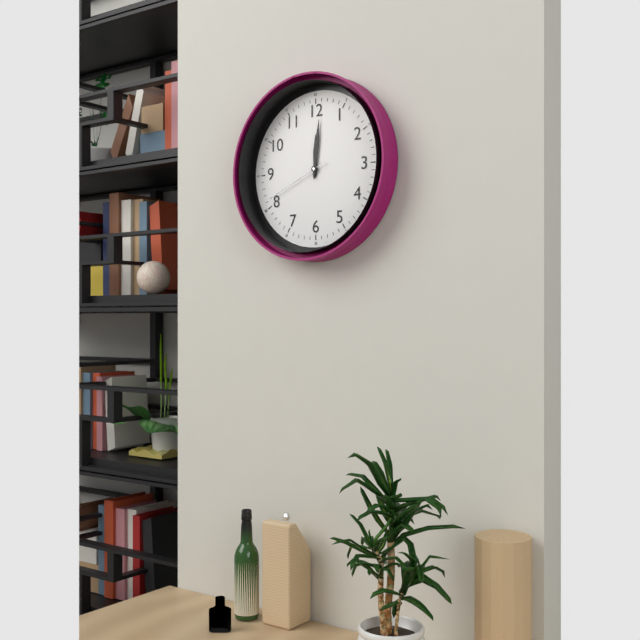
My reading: 12:01:41
